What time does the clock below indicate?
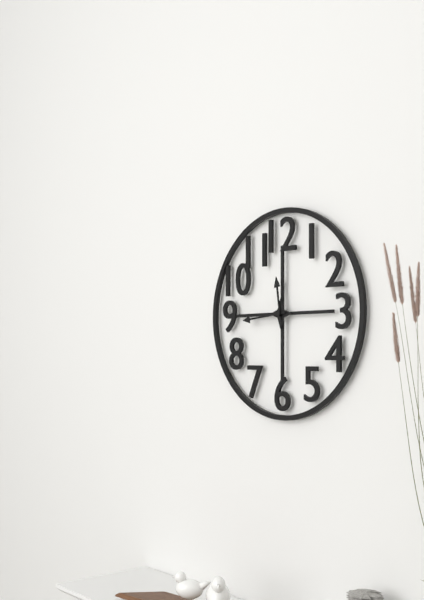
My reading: 11:44
